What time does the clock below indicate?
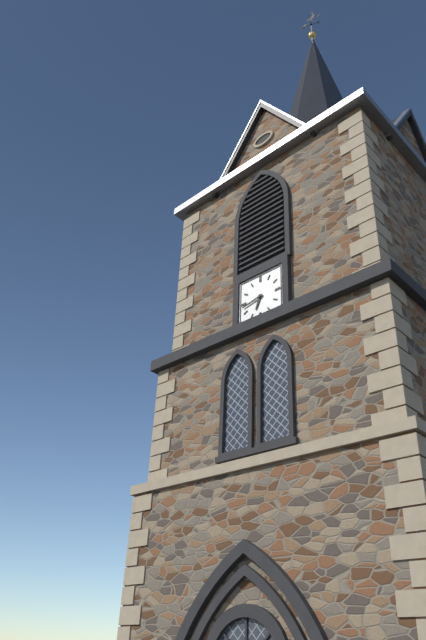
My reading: 6:43
